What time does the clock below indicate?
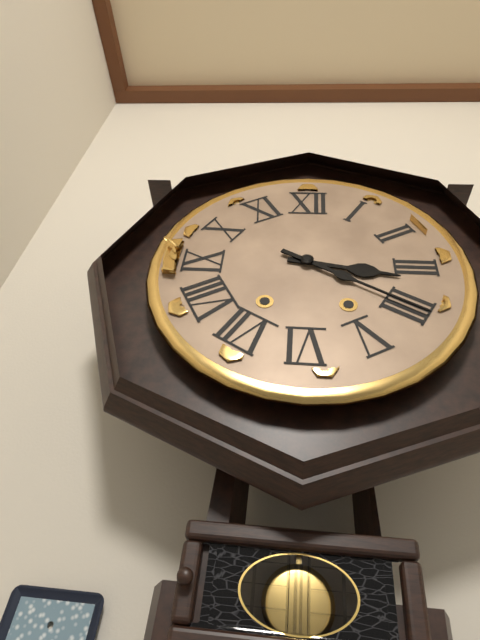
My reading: 3:20
